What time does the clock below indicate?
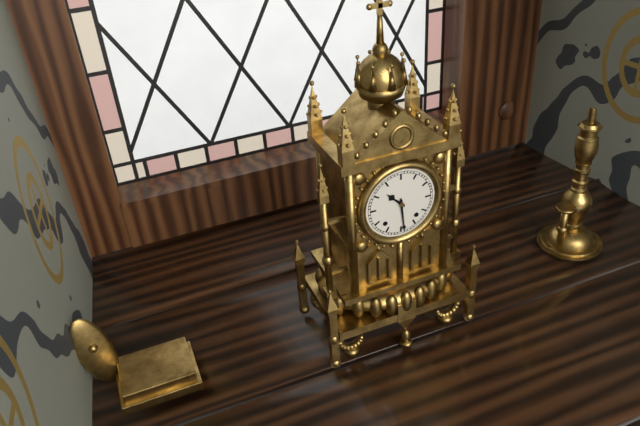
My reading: 10:29
